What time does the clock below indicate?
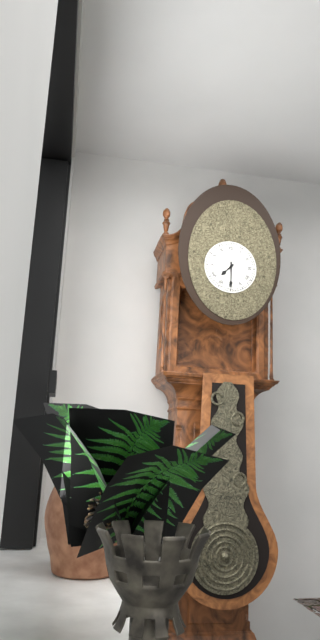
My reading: 7:30
